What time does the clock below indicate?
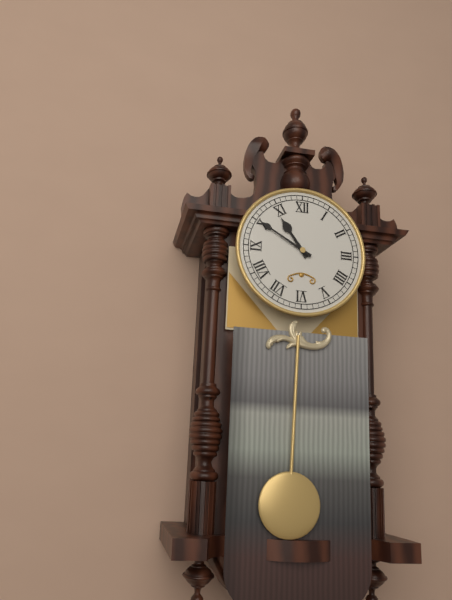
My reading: 10:50
